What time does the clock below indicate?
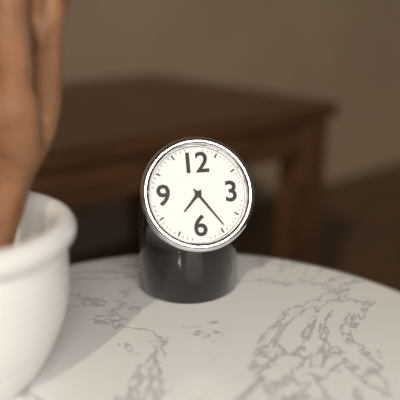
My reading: 7:24
